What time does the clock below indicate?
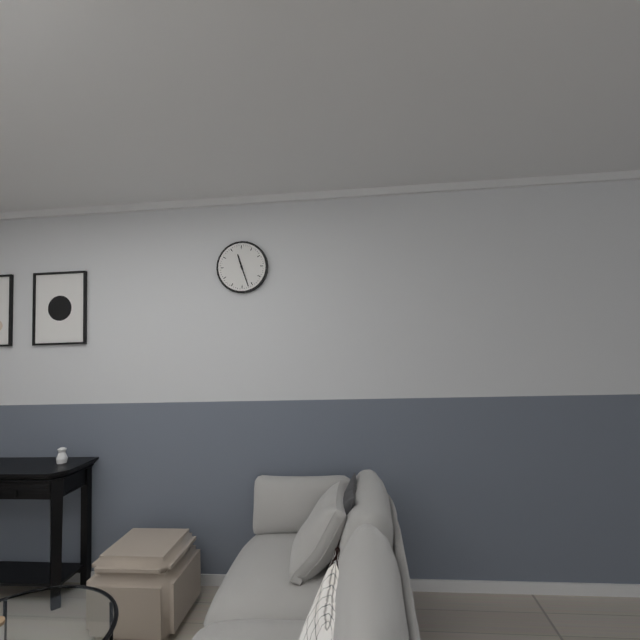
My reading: 11:27
